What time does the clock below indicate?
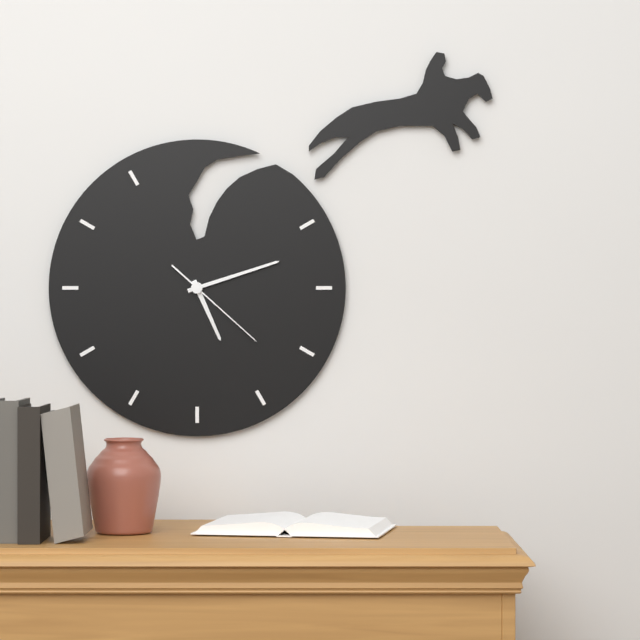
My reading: 5:12:22
